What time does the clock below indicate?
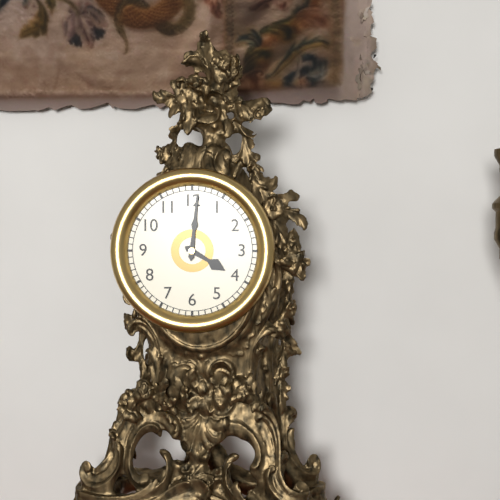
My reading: 4:01
